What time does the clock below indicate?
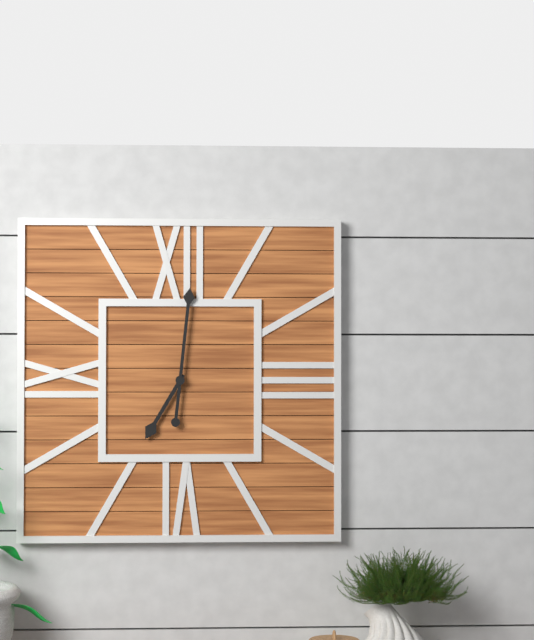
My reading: 7:01
